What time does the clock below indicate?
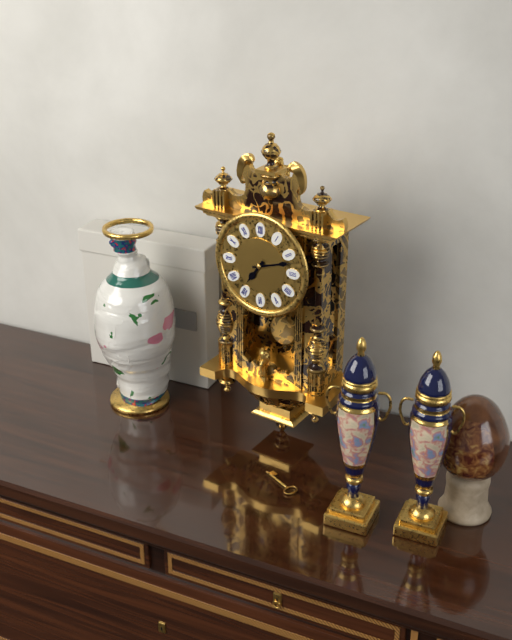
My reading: 7:12
